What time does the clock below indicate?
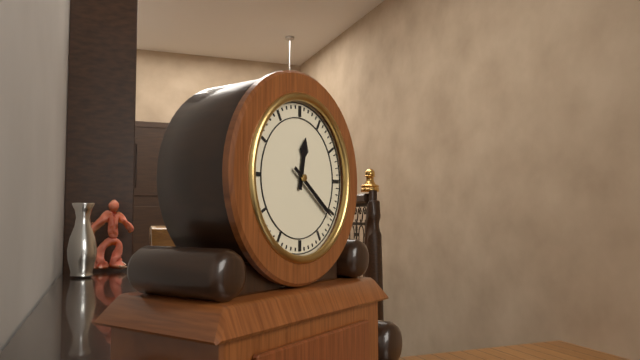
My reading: 12:21
